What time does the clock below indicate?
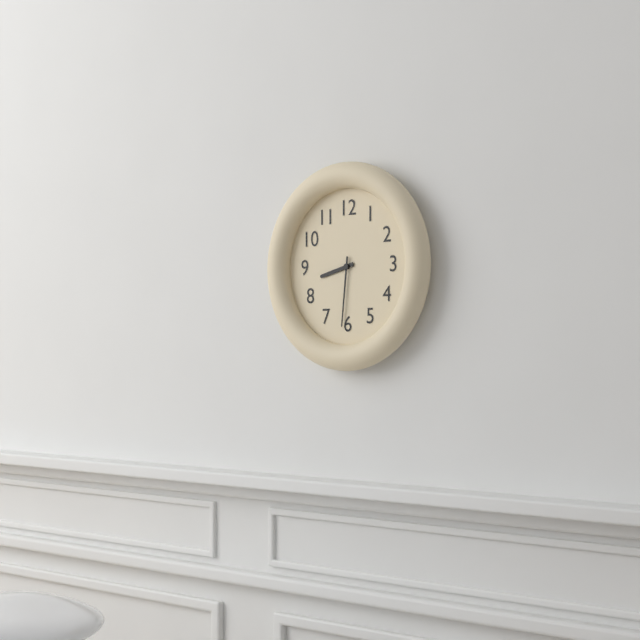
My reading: 8:31
